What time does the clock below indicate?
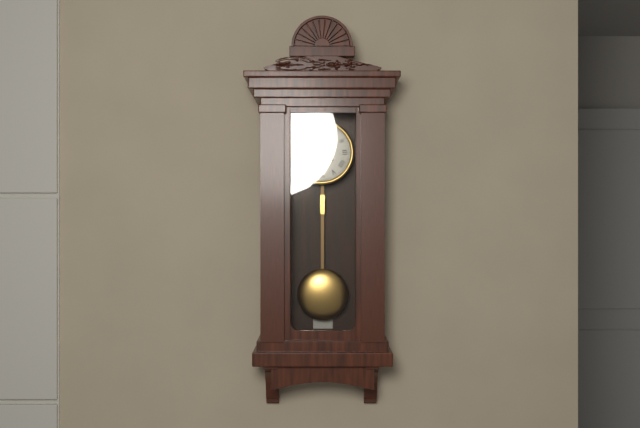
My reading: 5:54
